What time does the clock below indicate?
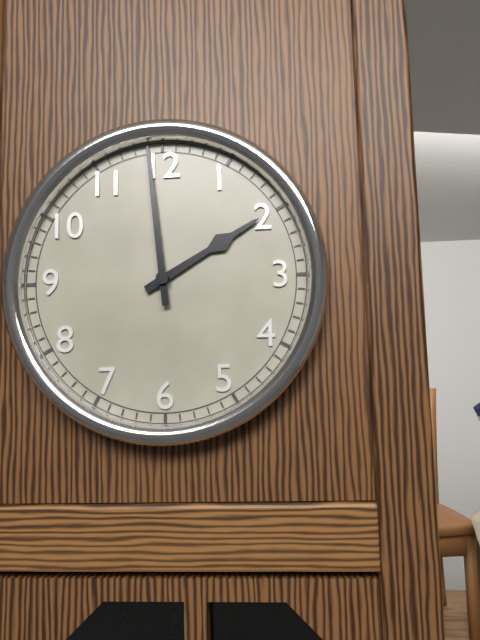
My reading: 1:59
